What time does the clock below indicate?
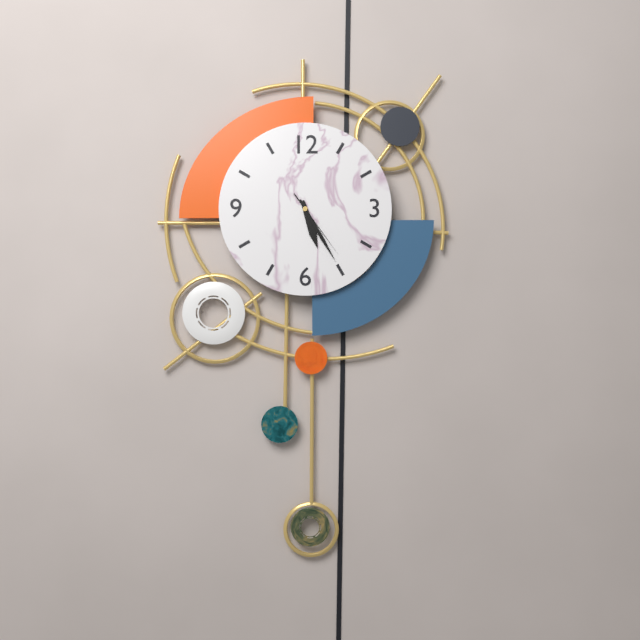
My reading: 5:25:24
